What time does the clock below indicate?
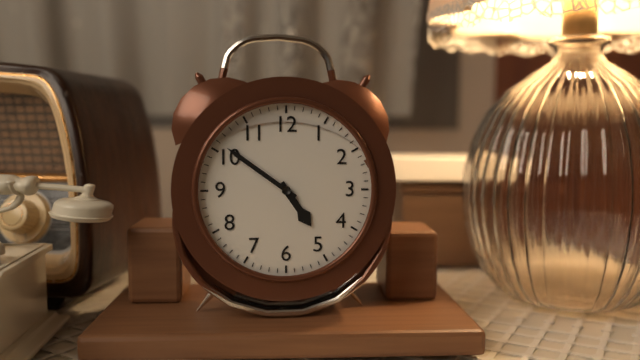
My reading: 4:51
